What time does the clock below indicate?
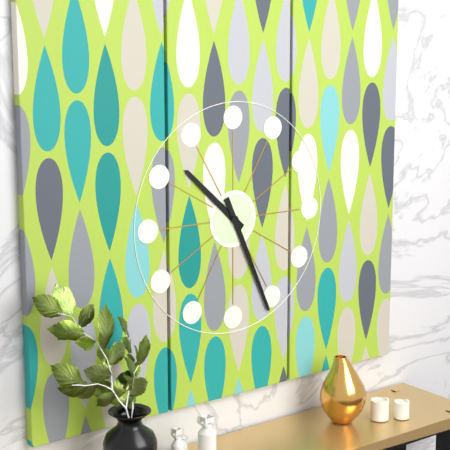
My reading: 10:26
